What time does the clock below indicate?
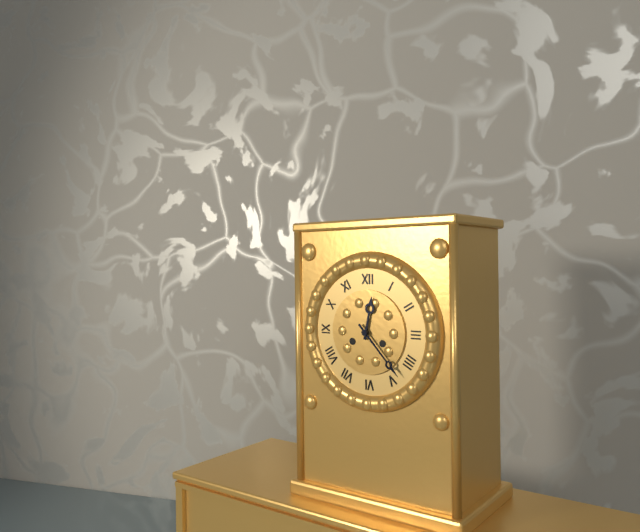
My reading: 12:23
